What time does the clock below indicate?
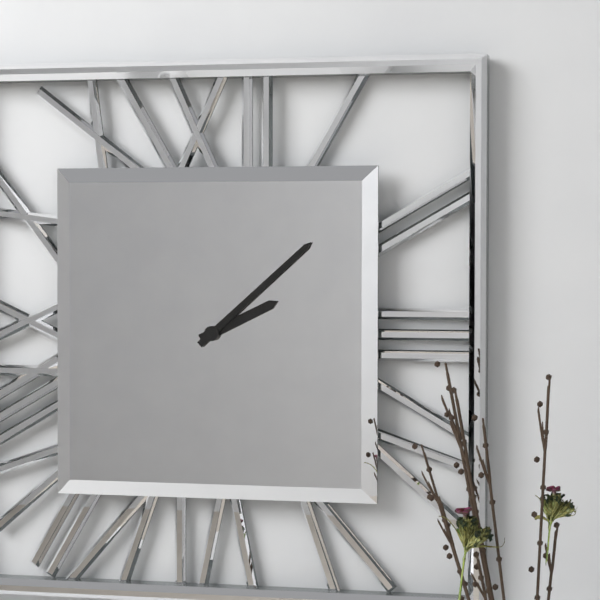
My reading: 2:08
